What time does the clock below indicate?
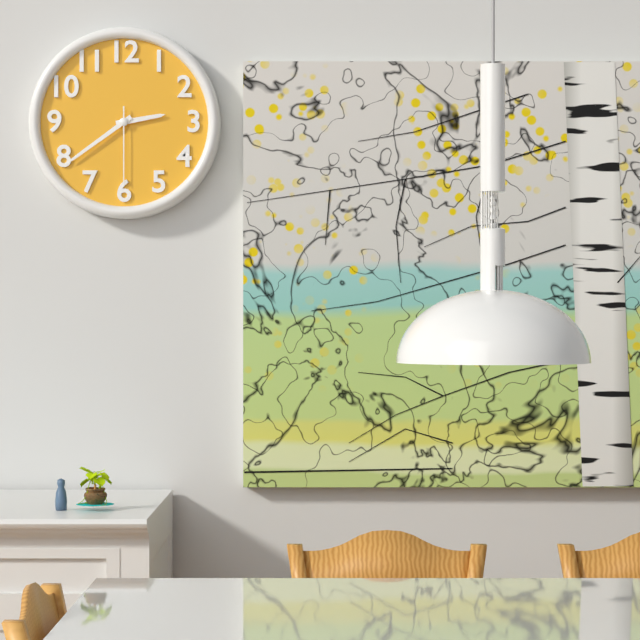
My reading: 2:39:30
